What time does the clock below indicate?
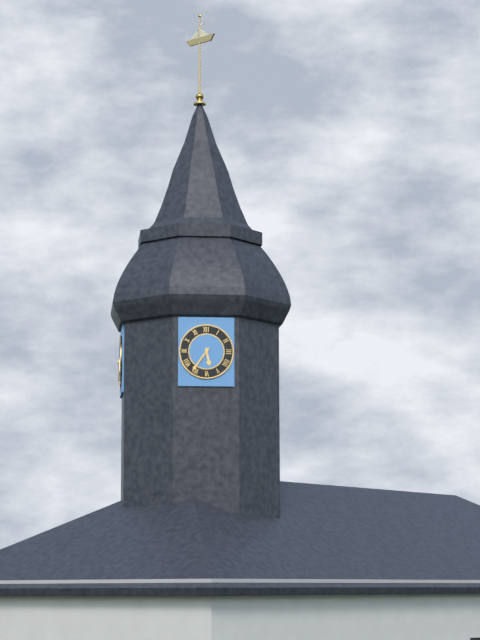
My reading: 5:36
